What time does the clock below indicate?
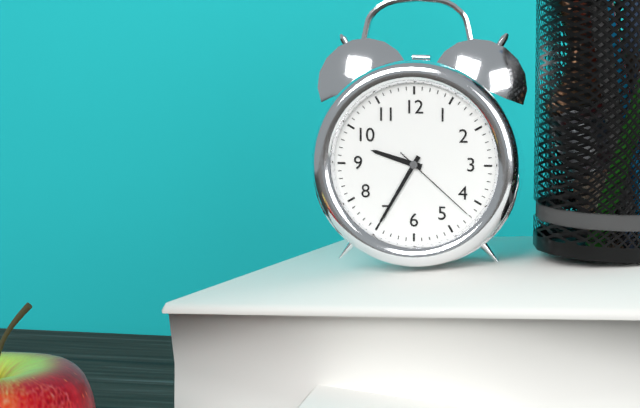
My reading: 9:35:22
